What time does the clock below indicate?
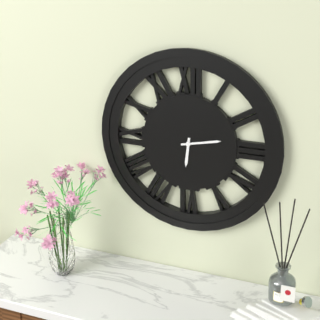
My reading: 6:13
